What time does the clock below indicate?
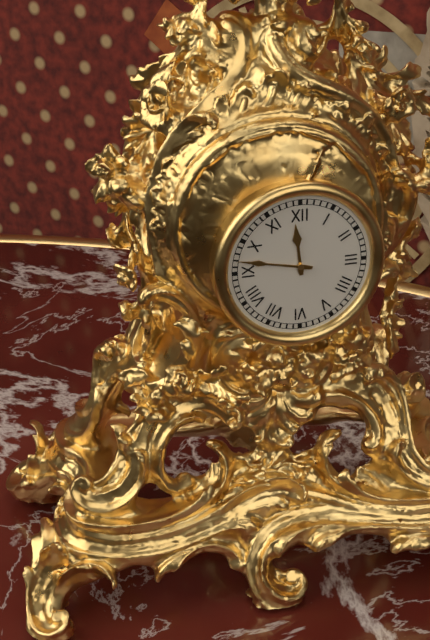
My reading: 11:47
